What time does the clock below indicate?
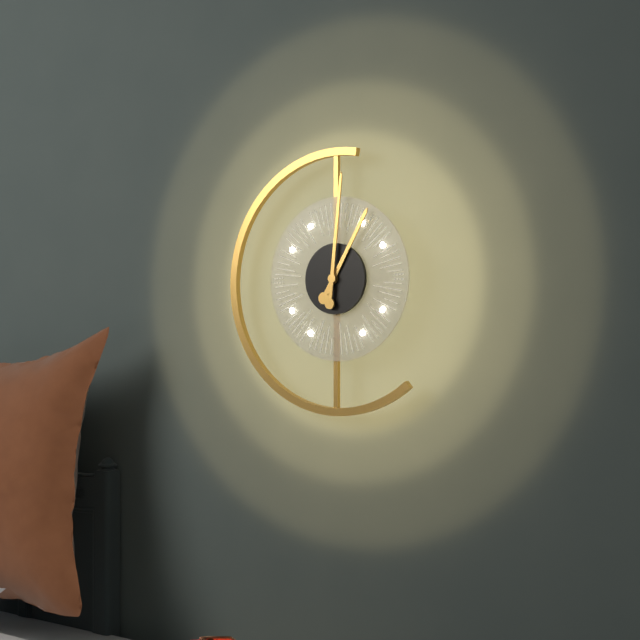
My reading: 1:01
